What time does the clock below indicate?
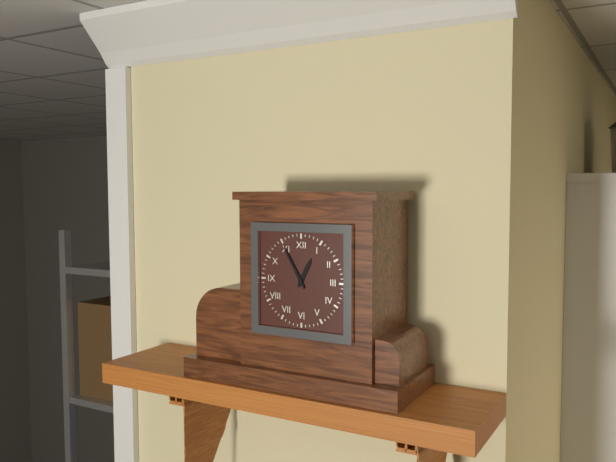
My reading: 12:55
